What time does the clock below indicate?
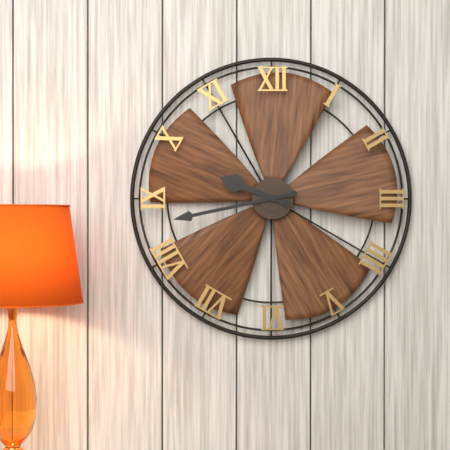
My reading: 9:43
